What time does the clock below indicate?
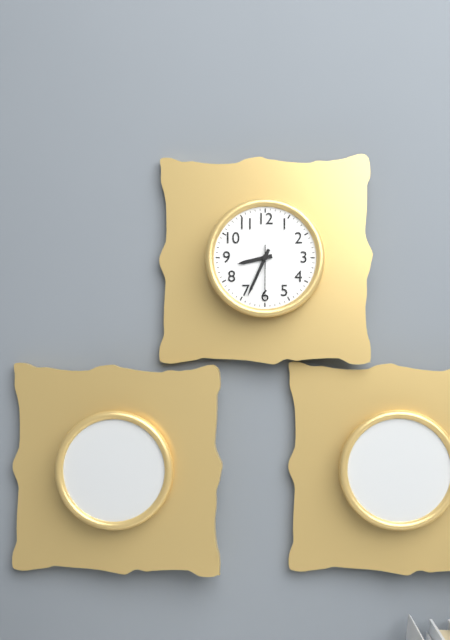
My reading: 8:34:30
